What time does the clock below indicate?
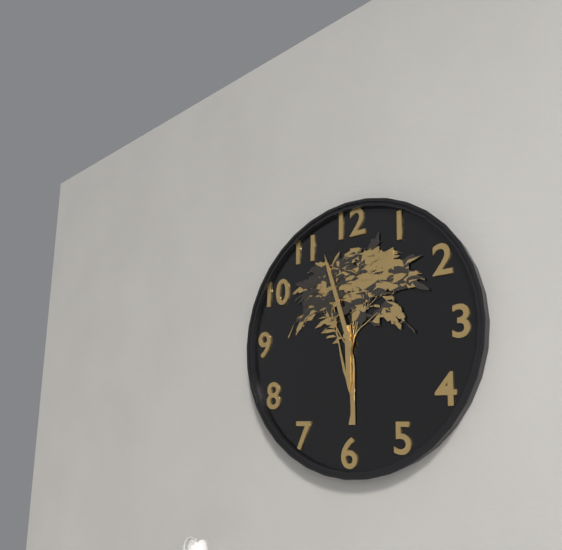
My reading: 5:57
